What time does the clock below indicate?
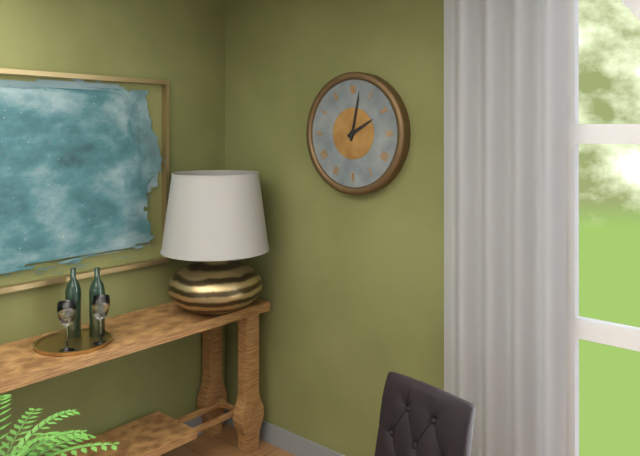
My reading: 2:02
